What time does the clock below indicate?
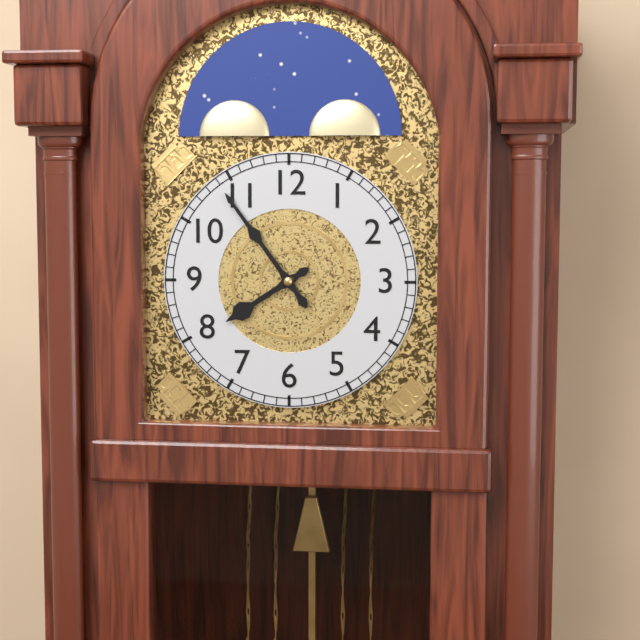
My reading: 7:54
